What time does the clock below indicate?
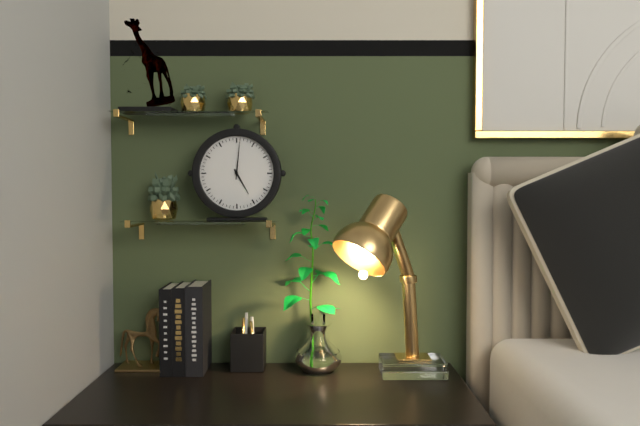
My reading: 5:01
